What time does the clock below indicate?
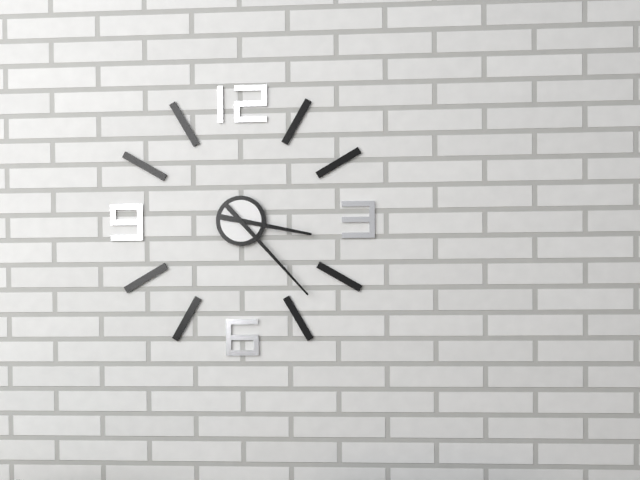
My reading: 3:23
